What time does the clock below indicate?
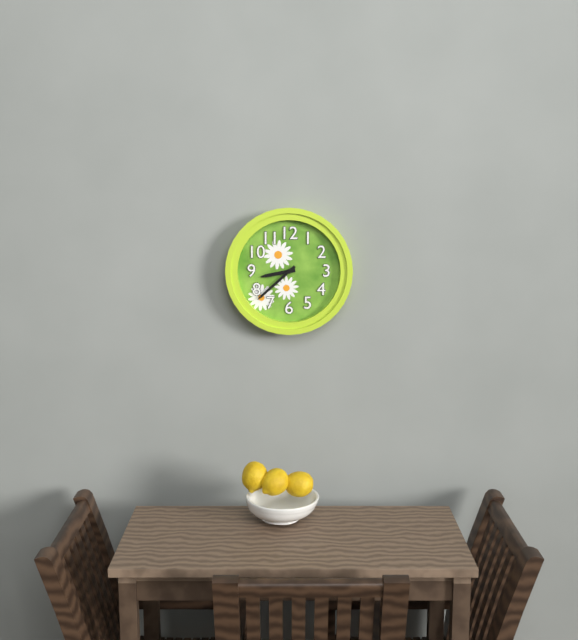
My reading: 8:38
